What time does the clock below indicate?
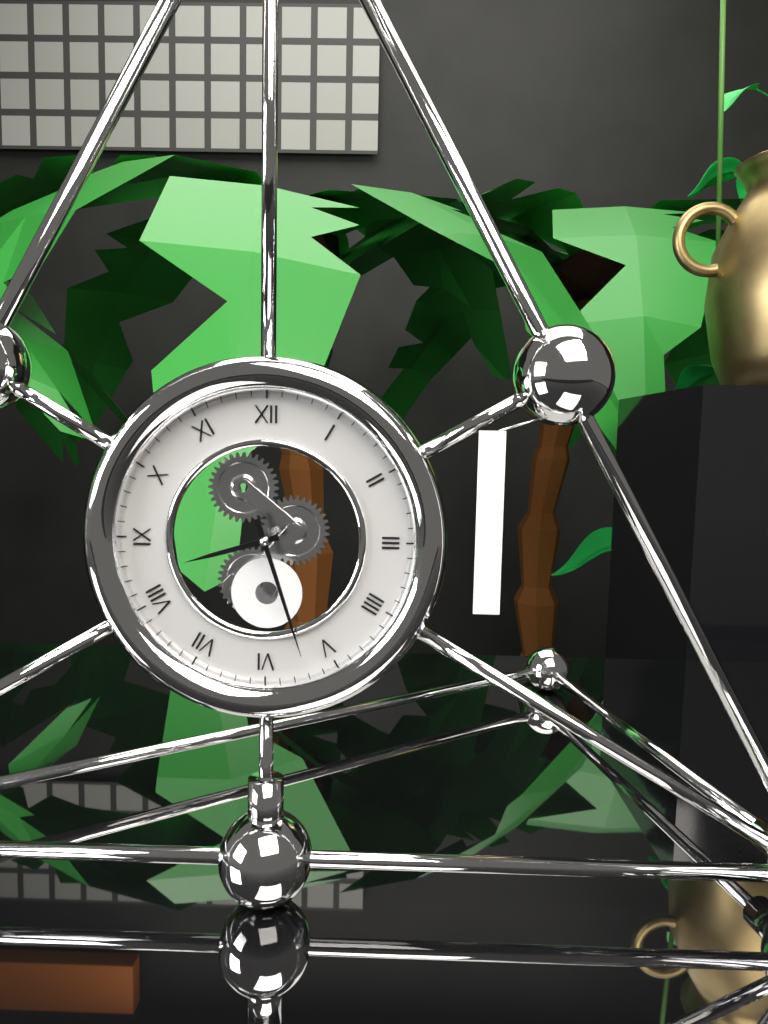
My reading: 8:27
